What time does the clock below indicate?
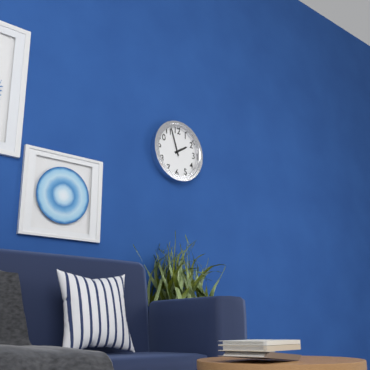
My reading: 1:57
